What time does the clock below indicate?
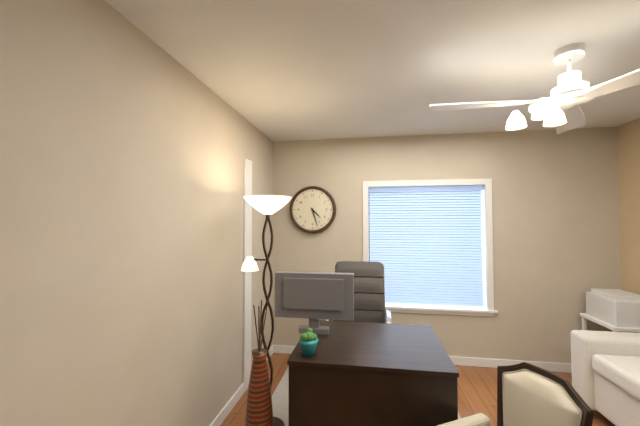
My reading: 4:27
